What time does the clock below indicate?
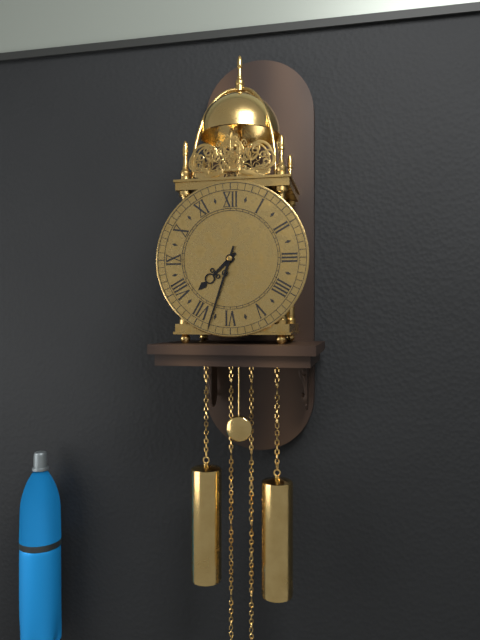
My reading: 7:33
